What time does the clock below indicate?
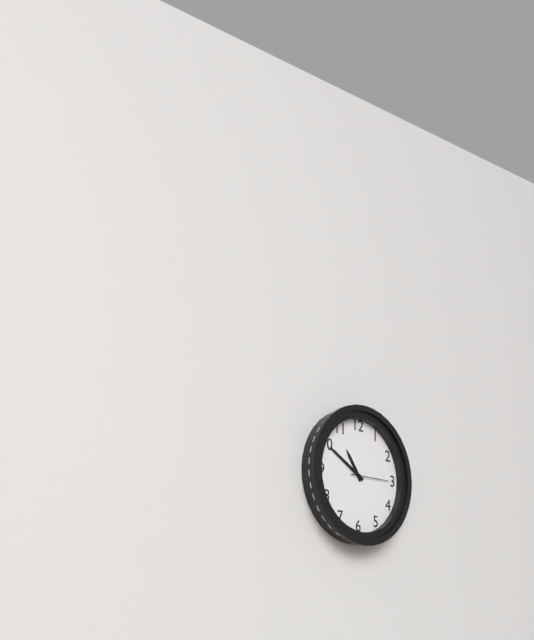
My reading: 10:50
